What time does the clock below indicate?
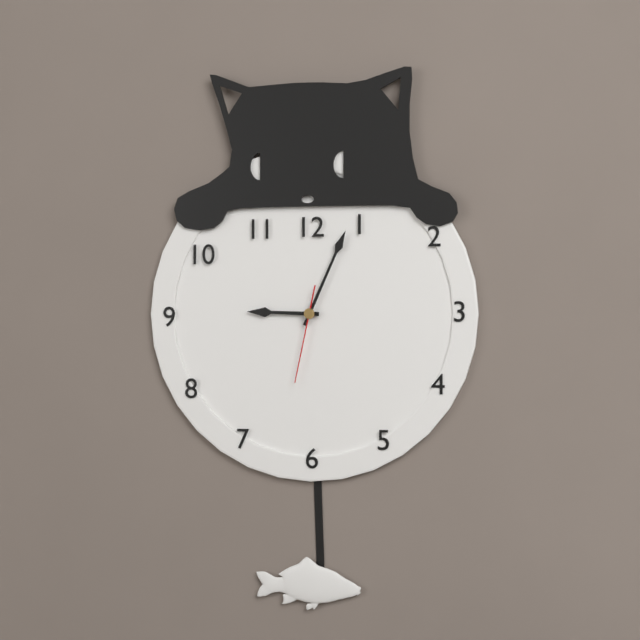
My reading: 9:04:32
